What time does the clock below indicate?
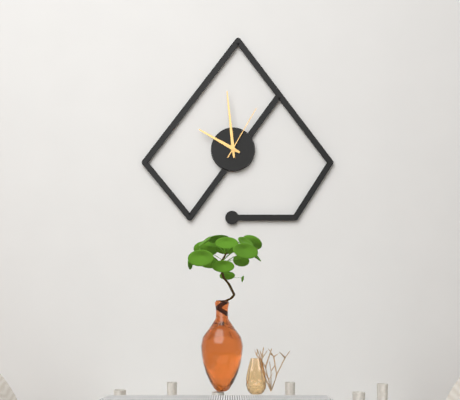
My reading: 9:59:05
